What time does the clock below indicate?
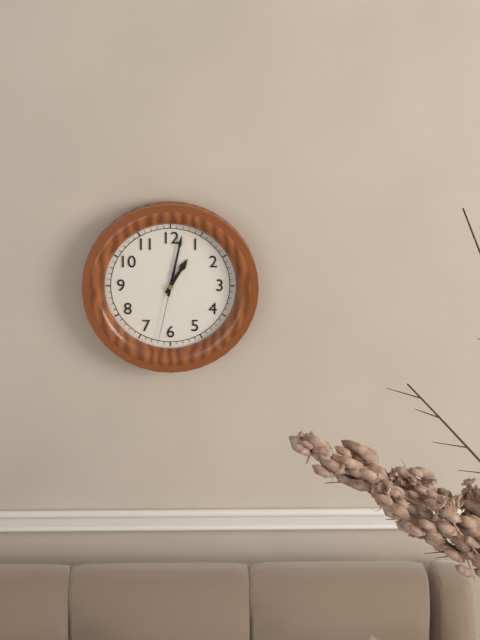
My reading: 1:02:32
